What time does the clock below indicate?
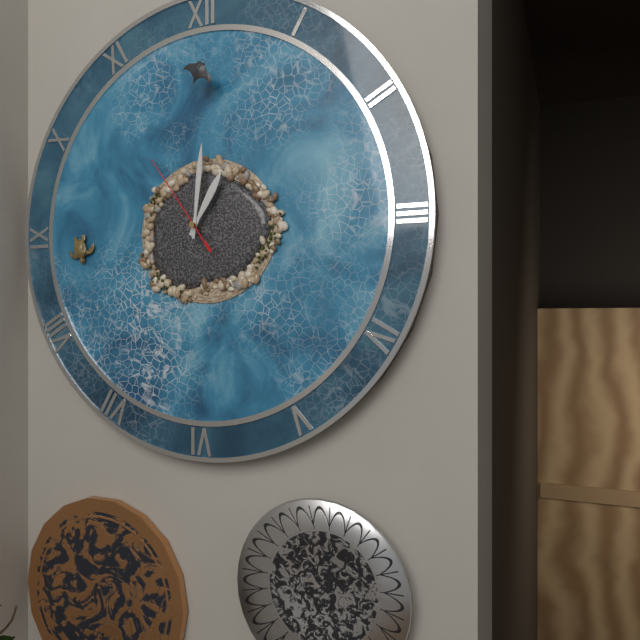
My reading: 1:01:54
